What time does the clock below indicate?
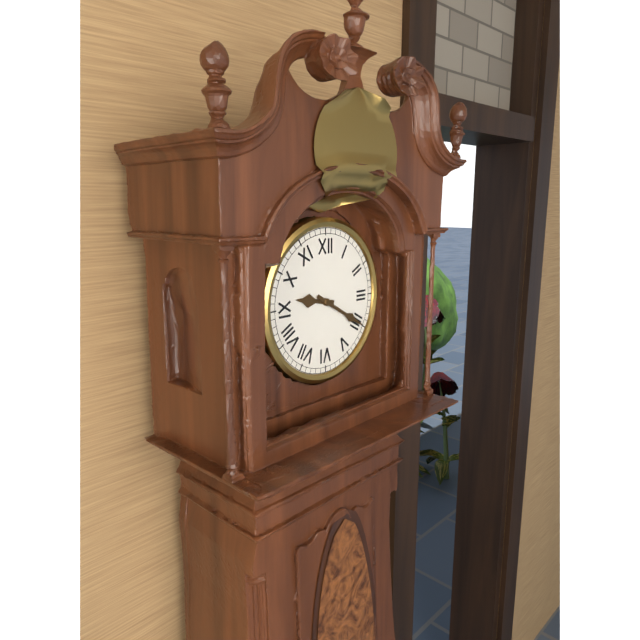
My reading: 9:20
